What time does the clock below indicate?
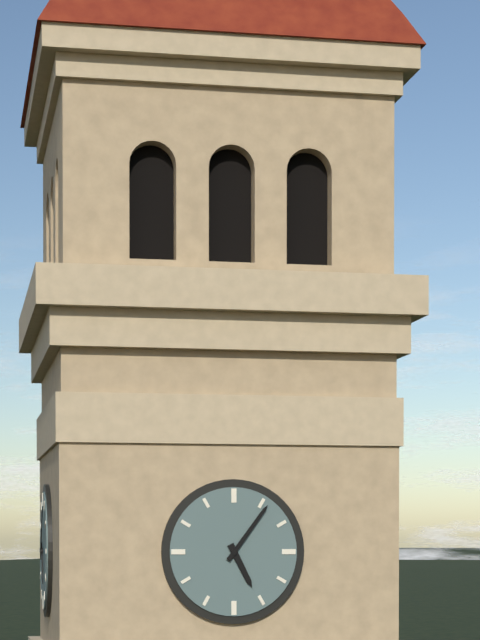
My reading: 5:06
